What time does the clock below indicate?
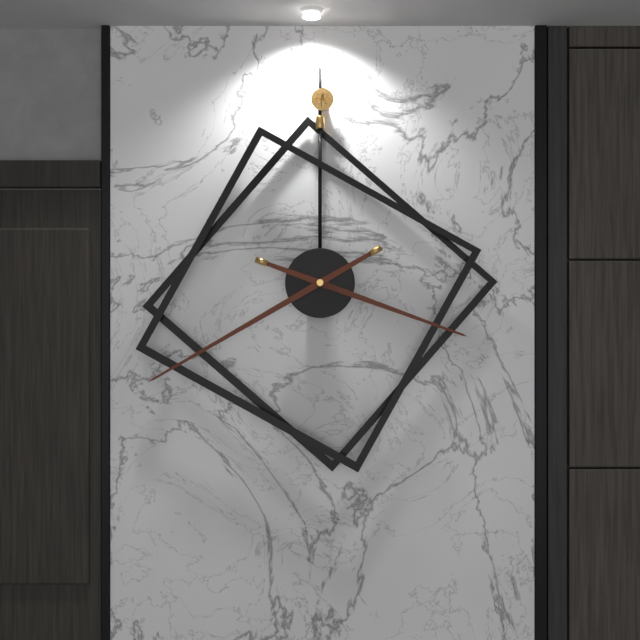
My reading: 3:40
